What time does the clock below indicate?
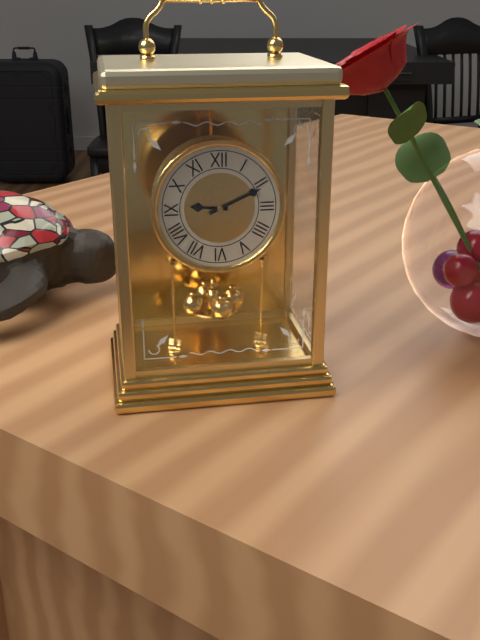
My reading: 9:11
